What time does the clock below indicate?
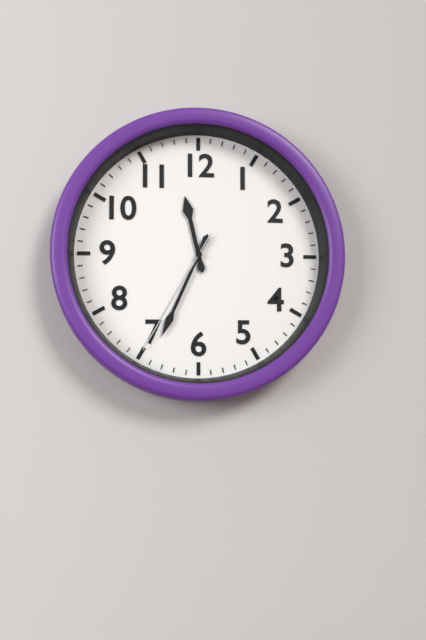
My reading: 11:34:35
